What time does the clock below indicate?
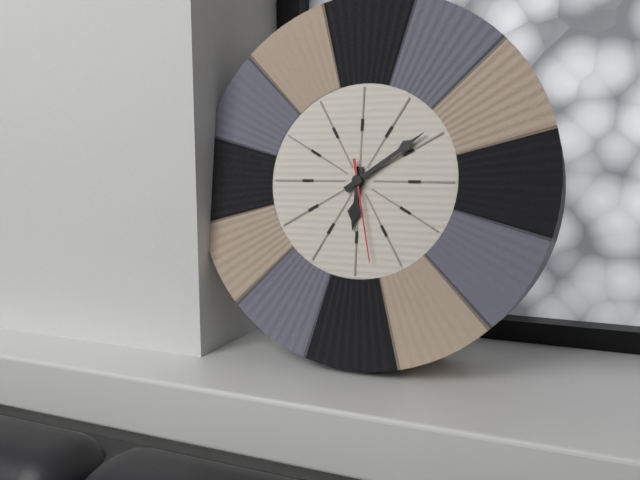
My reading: 6:09:28
